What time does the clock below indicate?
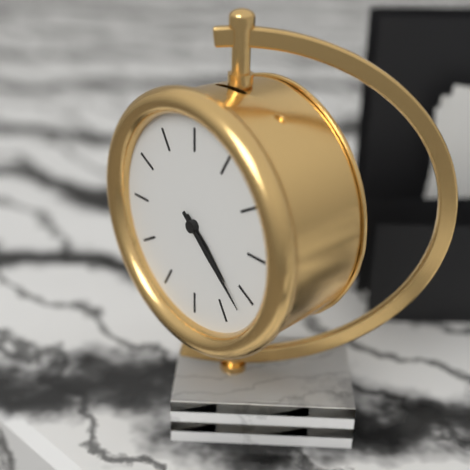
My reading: 4:22
